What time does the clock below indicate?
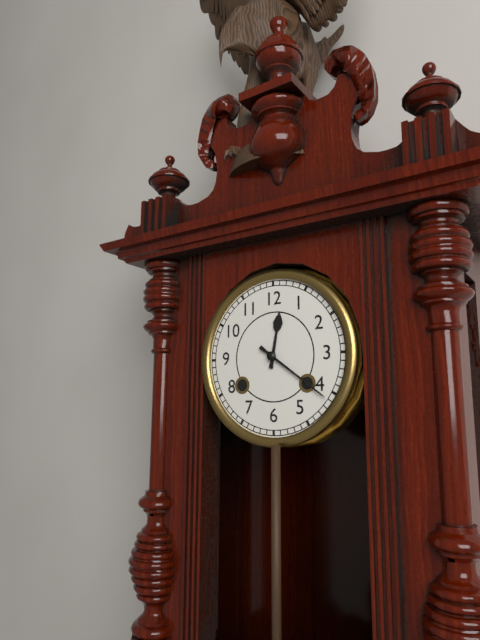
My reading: 12:21
